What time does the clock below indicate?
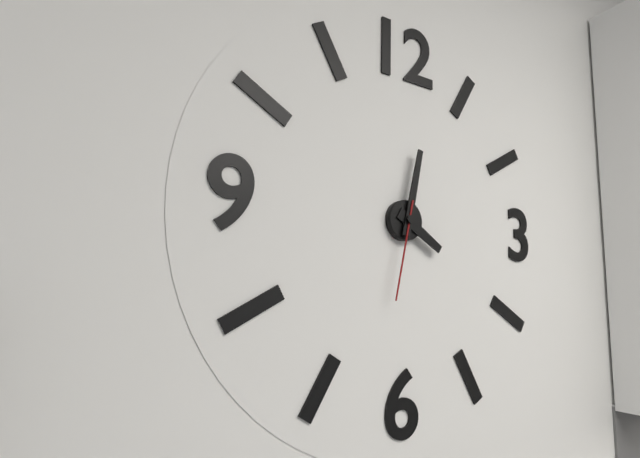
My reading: 4:02:32
